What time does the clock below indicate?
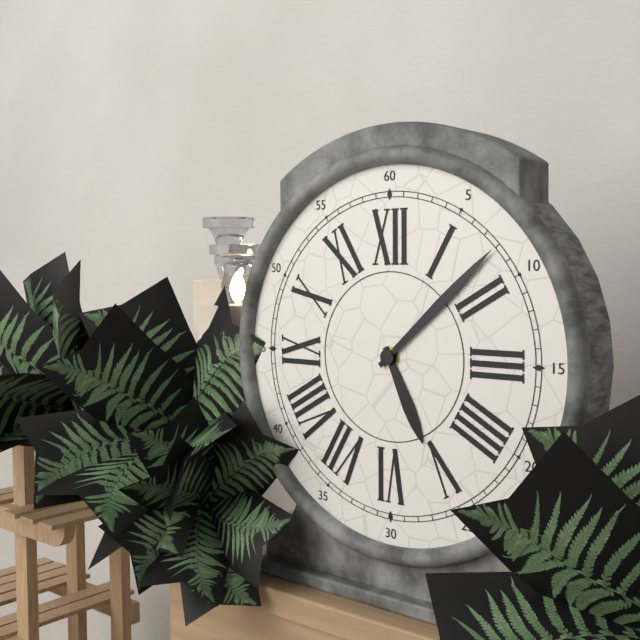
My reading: 5:08
